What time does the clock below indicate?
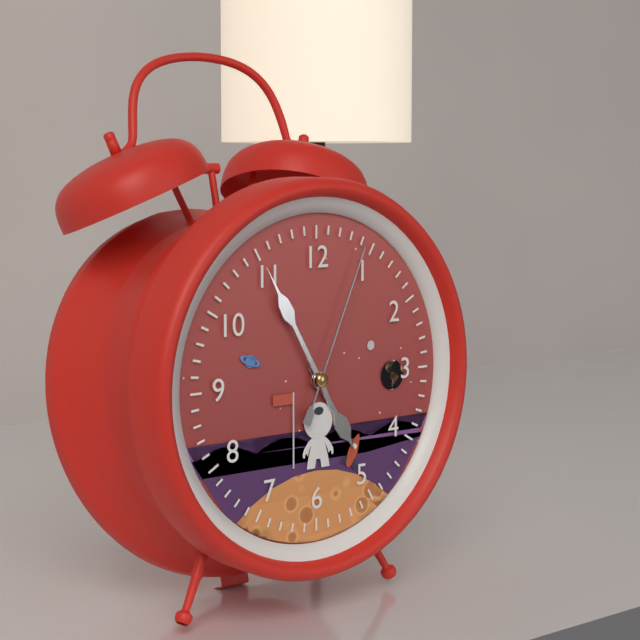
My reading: 4:55:04
